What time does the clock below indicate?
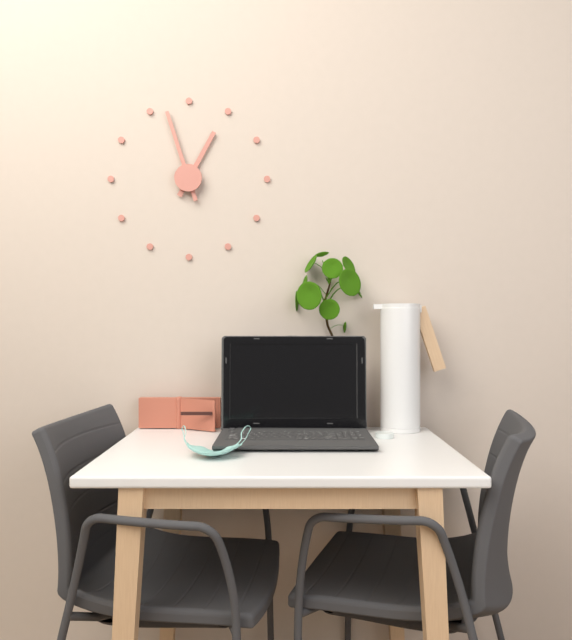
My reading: 12:57
